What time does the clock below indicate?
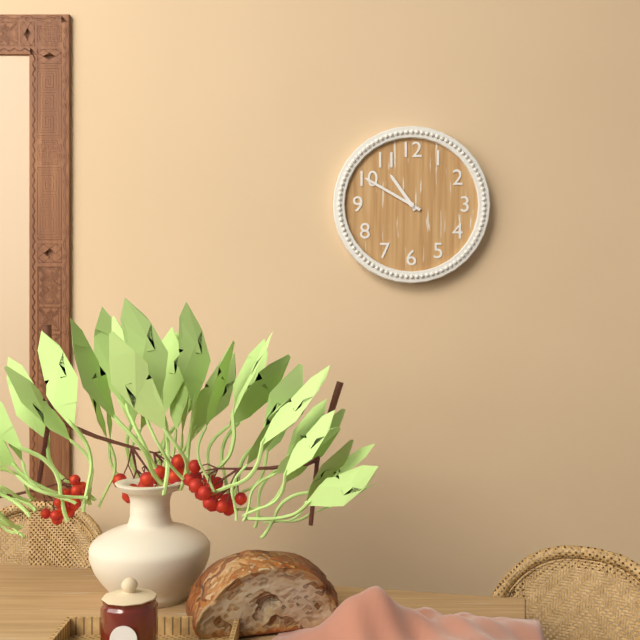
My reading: 10:50
